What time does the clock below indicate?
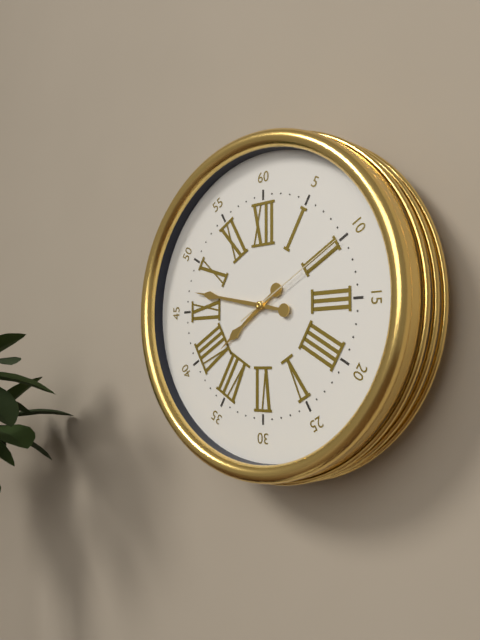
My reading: 7:47:10
